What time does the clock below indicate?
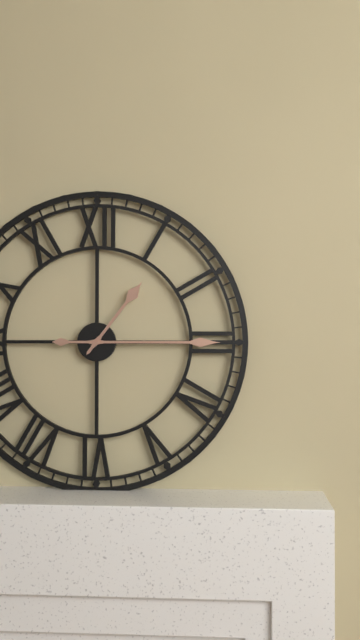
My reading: 1:15
